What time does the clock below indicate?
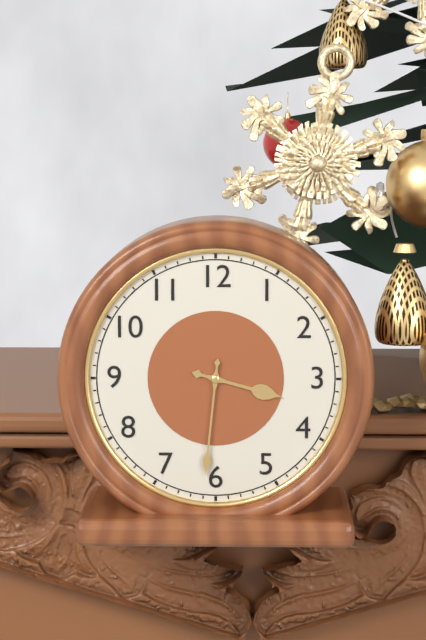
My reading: 3:31
